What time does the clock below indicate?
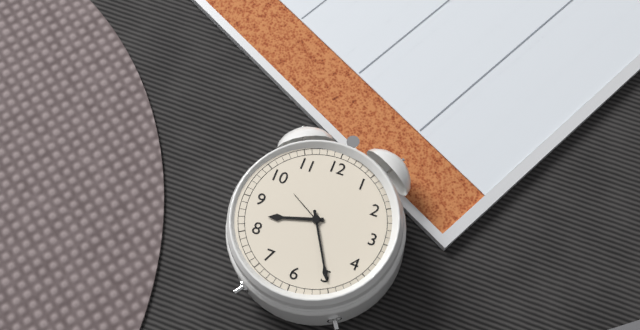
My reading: 8:25
